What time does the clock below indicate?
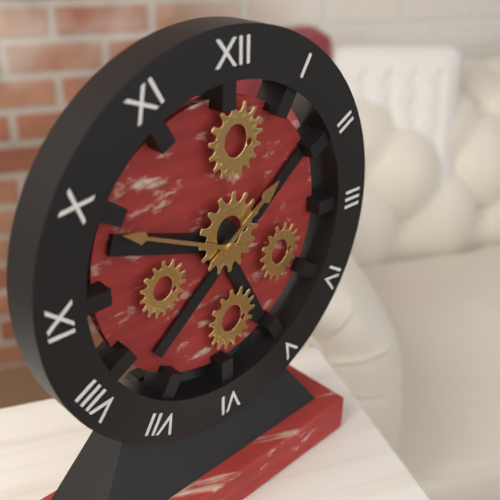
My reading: 1:49
